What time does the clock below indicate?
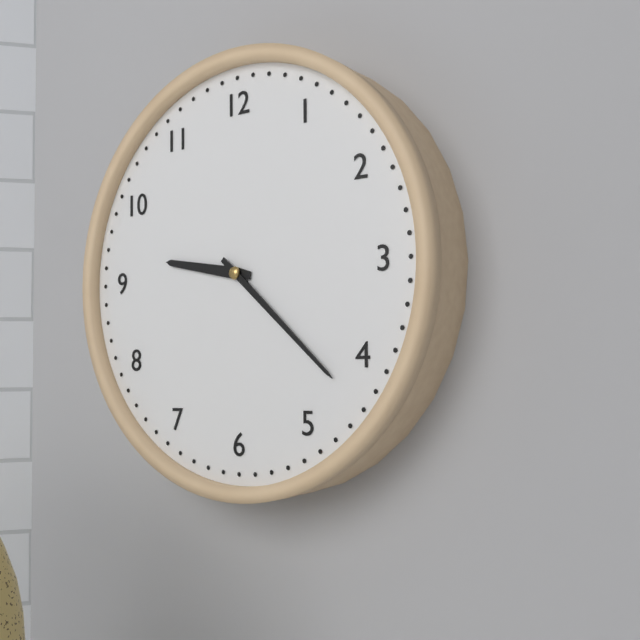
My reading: 9:22
